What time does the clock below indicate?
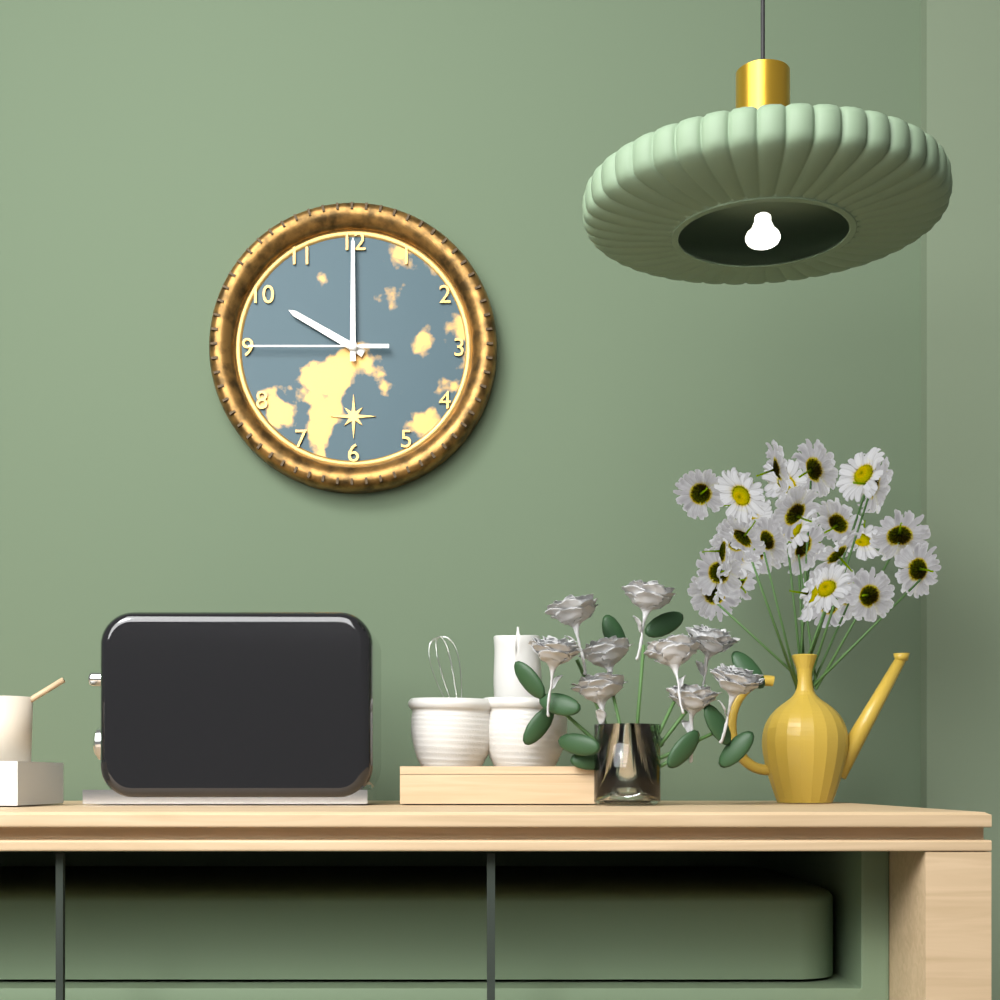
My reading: 10:00:45
